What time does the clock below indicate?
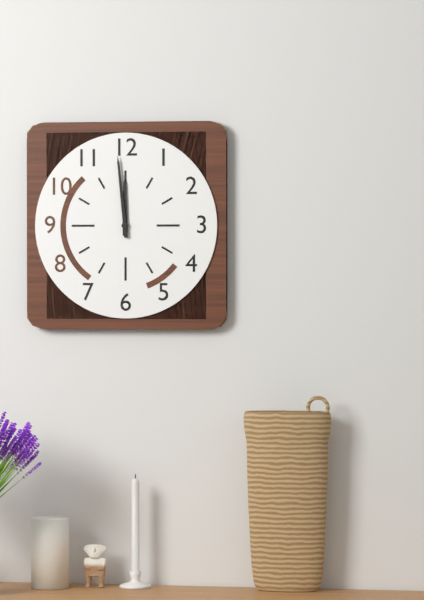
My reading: 11:59
